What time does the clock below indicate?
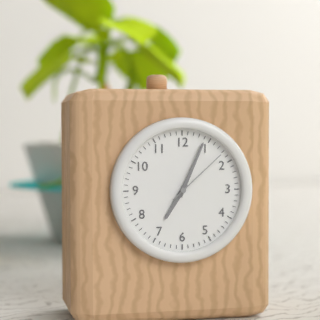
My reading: 7:04:08
